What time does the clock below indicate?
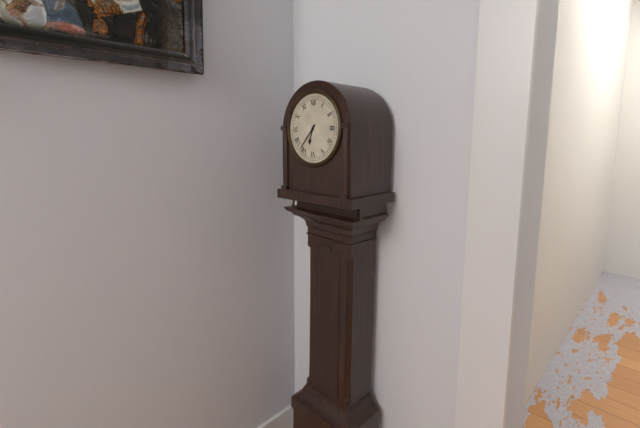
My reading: 6:37
